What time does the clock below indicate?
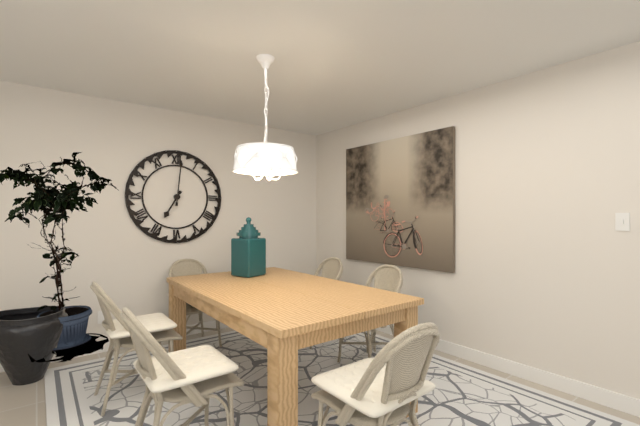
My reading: 7:01
